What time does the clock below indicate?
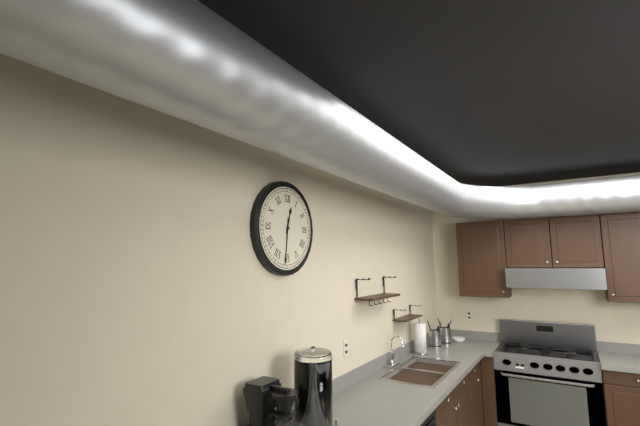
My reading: 12:31
